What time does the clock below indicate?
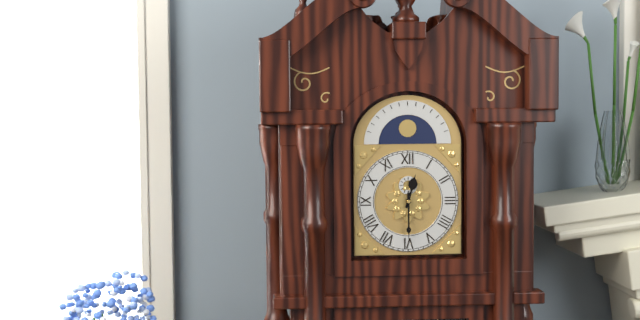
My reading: 12:30
